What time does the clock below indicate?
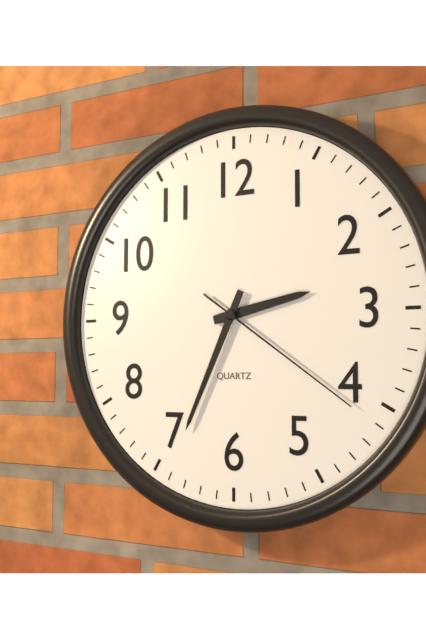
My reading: 2:34:21
